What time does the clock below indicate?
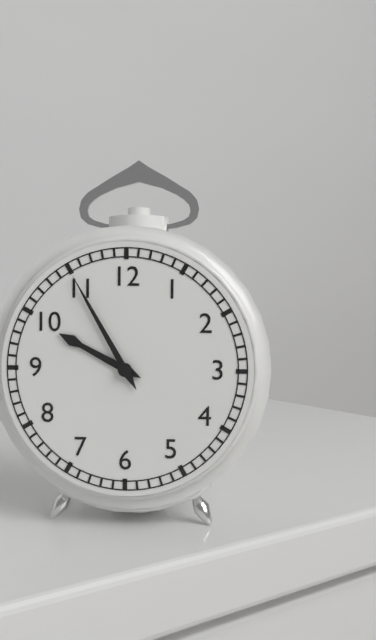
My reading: 9:55
